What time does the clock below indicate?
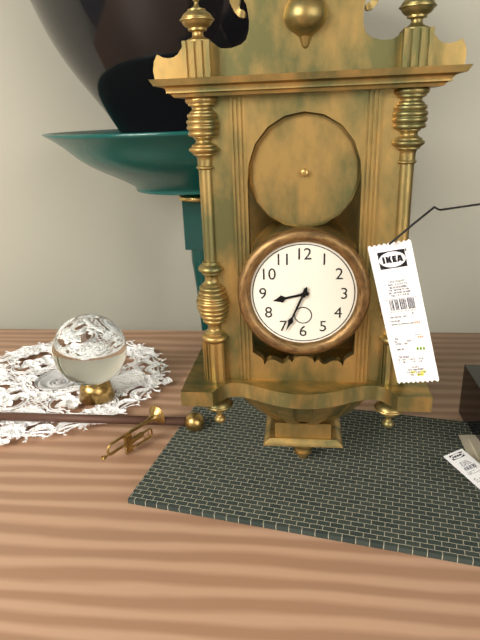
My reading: 8:34
